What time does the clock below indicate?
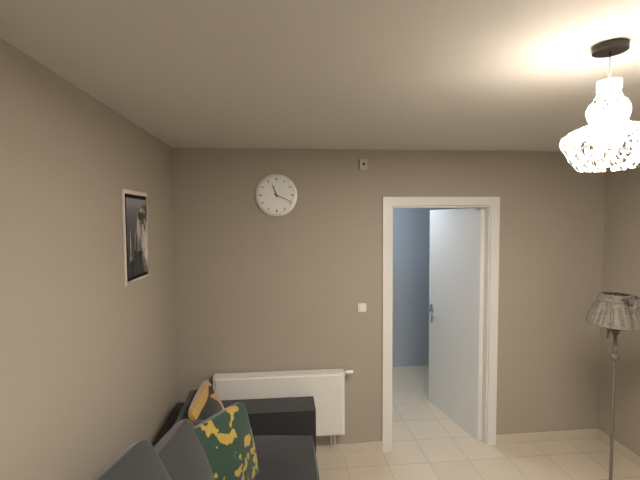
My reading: 11:19
